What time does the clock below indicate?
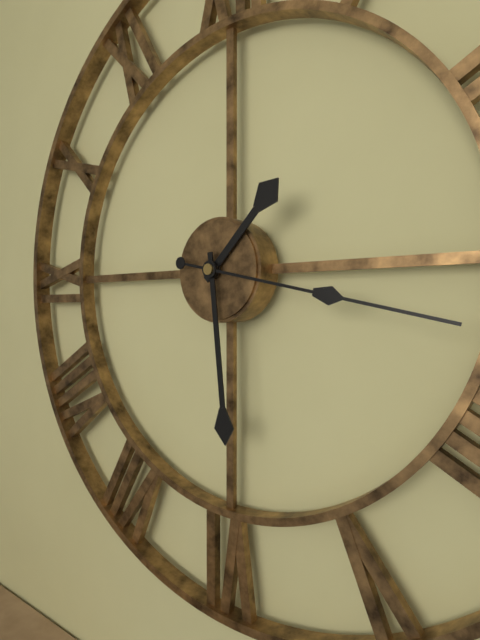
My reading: 1:29:17
